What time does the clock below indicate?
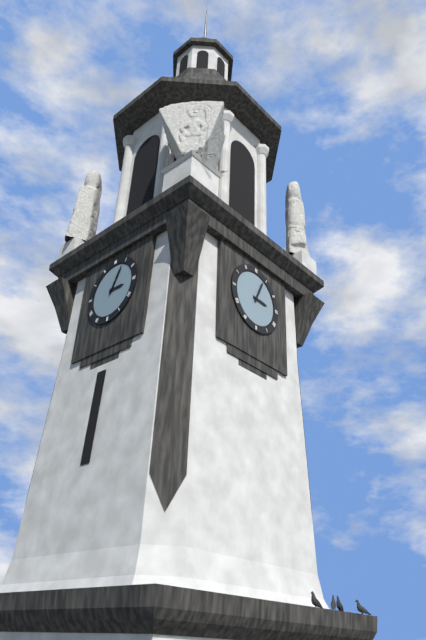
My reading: 3:04
